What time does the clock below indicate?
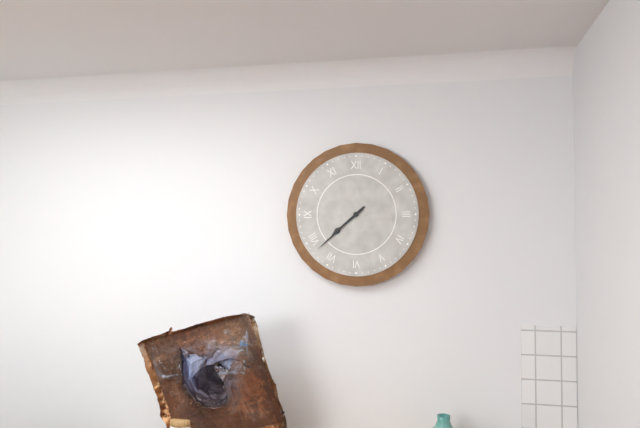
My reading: 7:38
